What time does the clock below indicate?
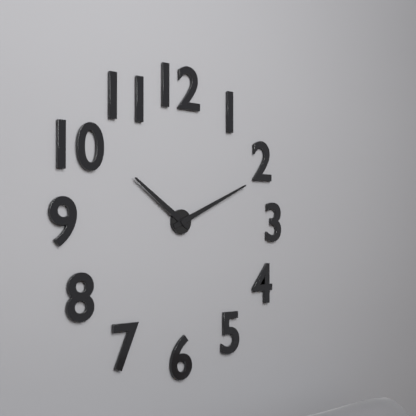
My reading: 10:11
